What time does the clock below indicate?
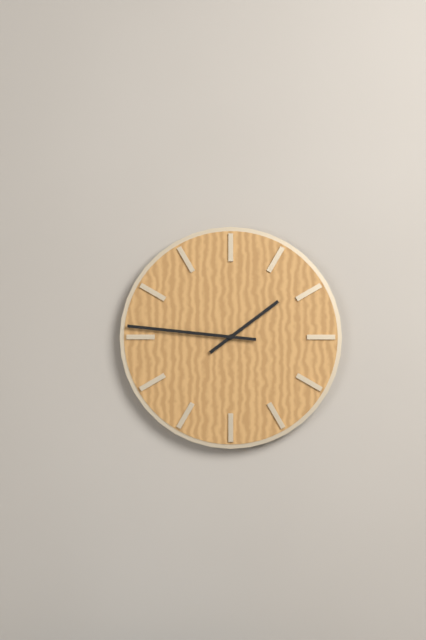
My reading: 1:46
